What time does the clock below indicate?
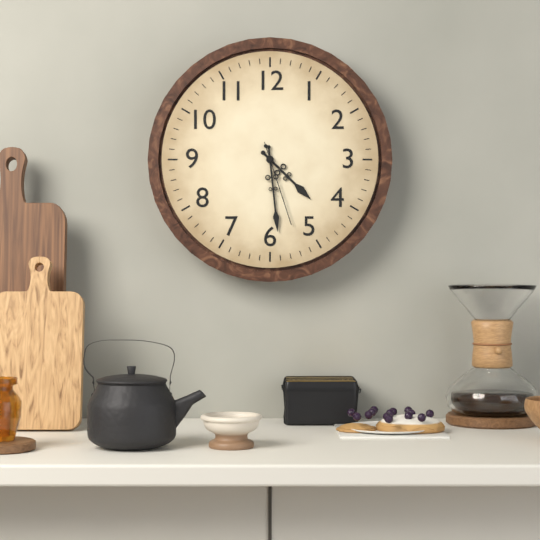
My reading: 4:29:27
